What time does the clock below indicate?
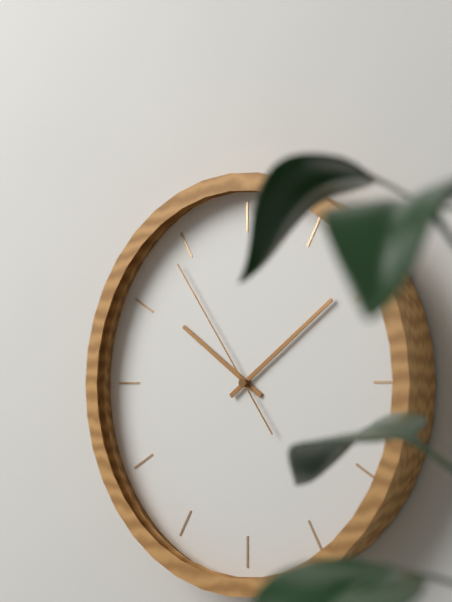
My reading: 10:09:54
